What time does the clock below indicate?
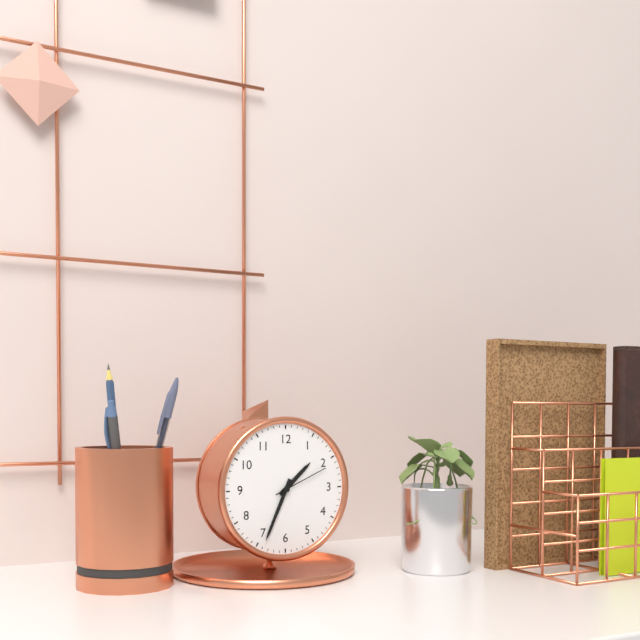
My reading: 1:34:11
